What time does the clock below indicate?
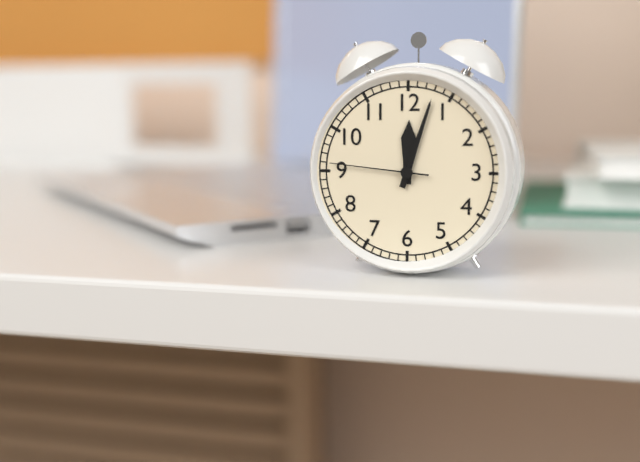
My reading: 12:03:46
